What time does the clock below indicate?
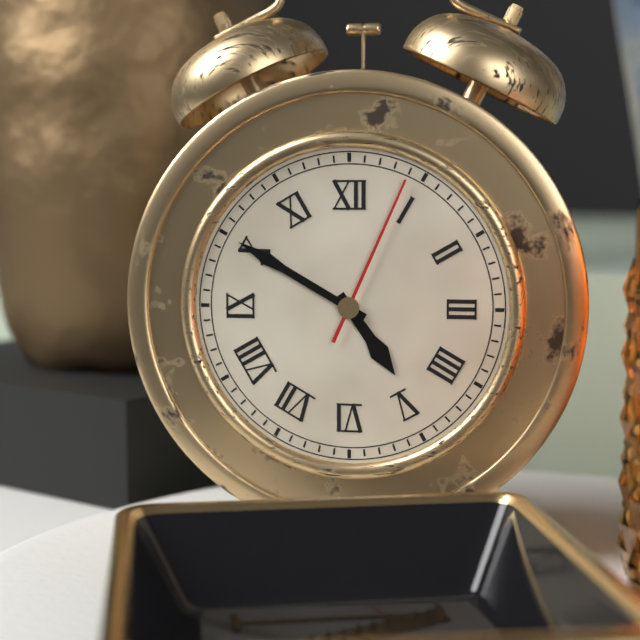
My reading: 4:50:04
